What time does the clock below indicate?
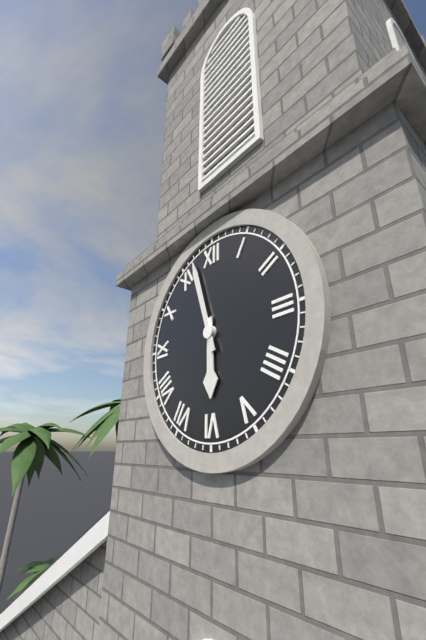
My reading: 5:57
